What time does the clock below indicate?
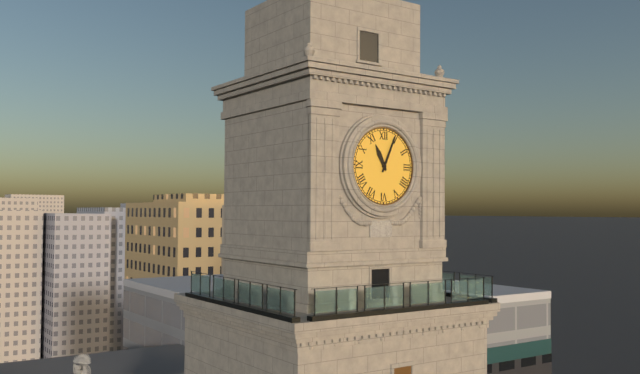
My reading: 11:04
